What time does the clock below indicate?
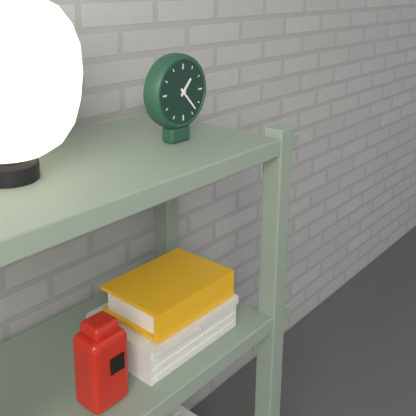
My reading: 1:23
